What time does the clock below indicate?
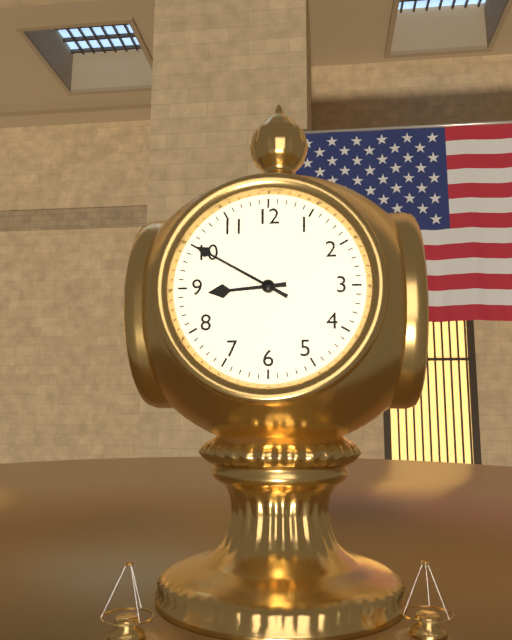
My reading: 8:50
